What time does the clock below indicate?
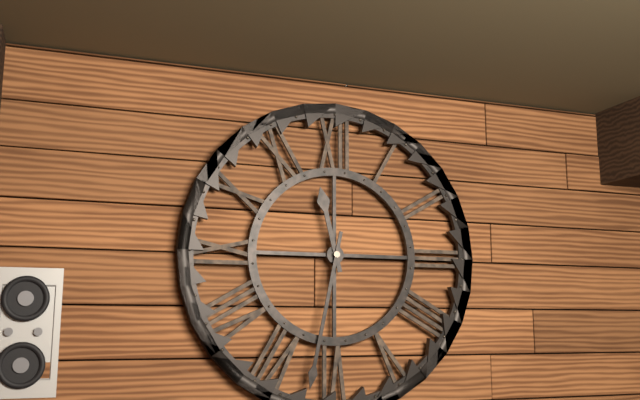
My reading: 11:32
